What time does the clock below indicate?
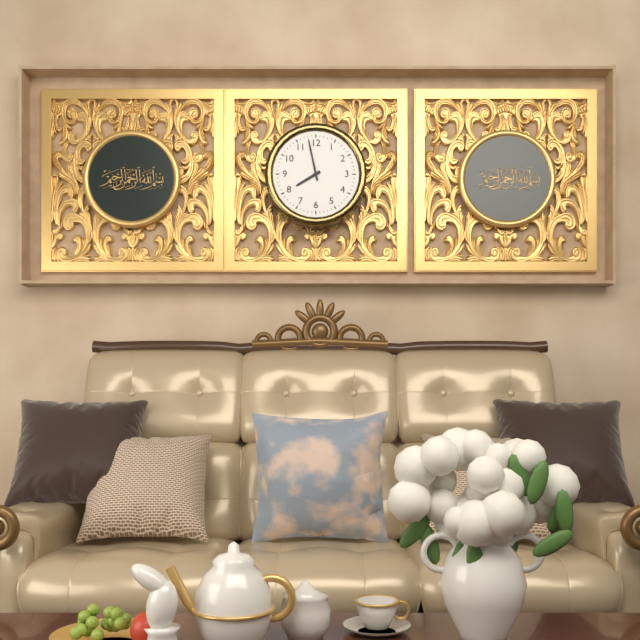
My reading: 7:58
